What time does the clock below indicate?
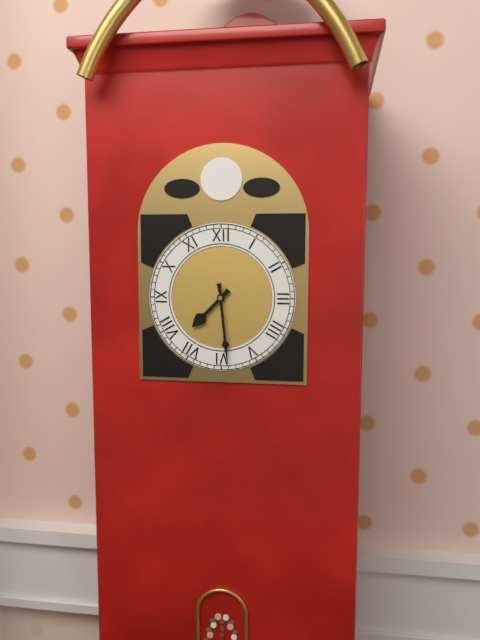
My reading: 7:29
